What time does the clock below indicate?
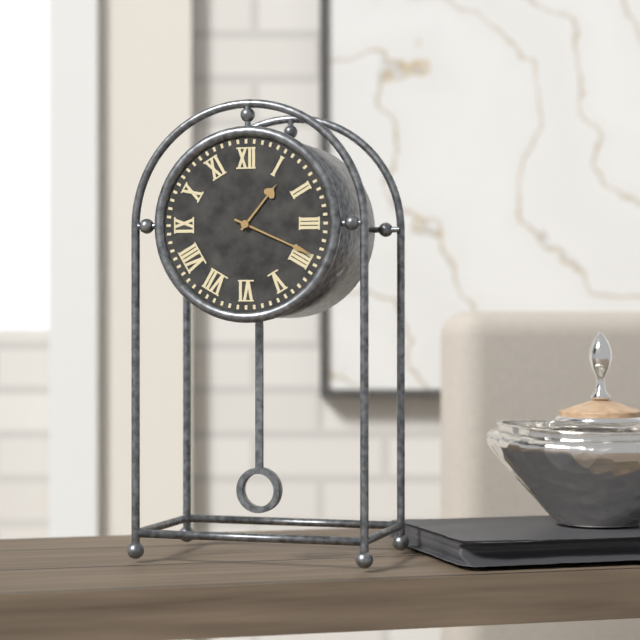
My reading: 1:19
